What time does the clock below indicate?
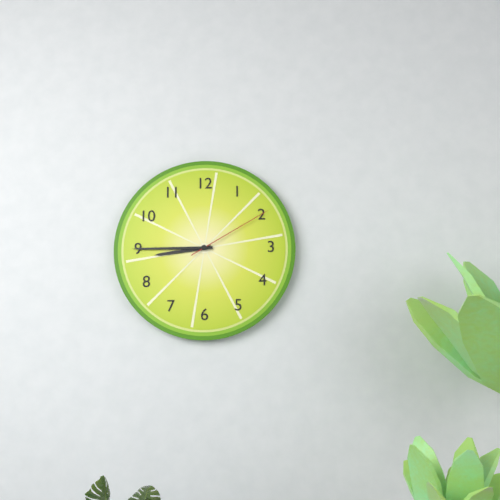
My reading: 8:45:10
